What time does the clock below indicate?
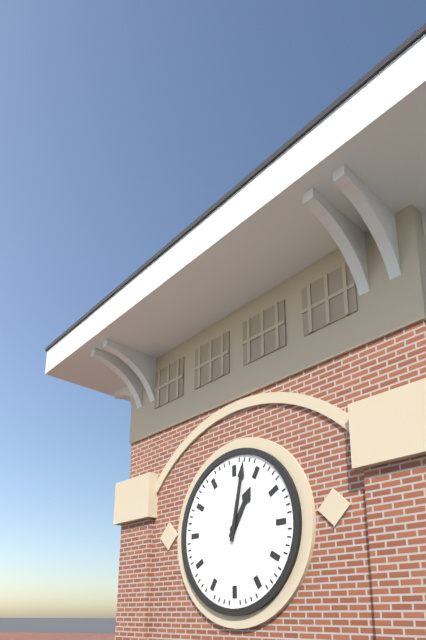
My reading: 1:02
